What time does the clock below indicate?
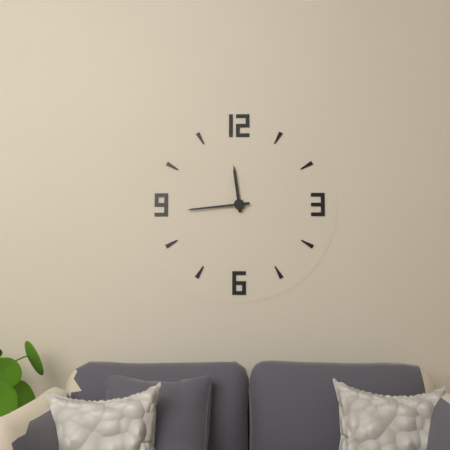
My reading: 11:44
